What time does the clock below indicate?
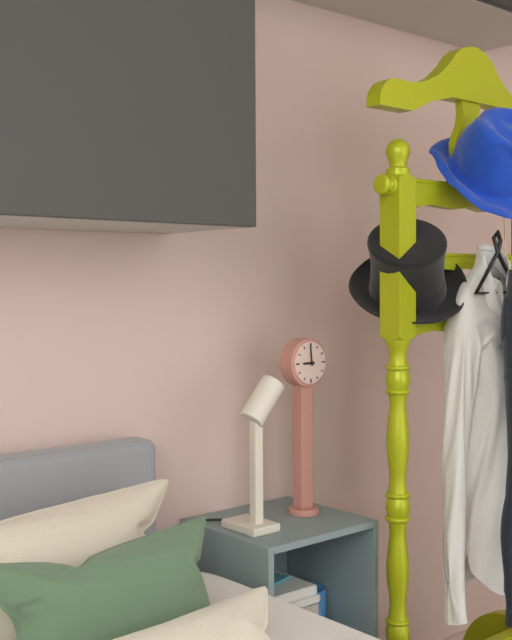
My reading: 8:59
